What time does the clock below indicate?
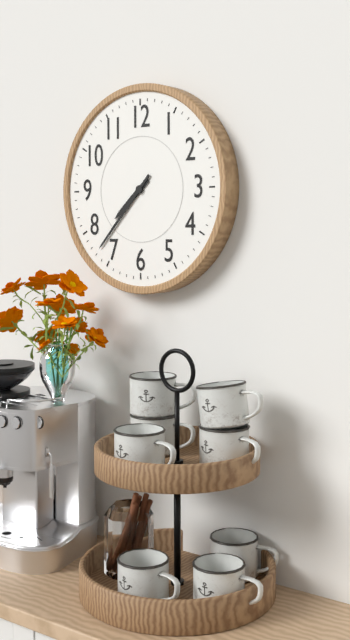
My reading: 7:37
